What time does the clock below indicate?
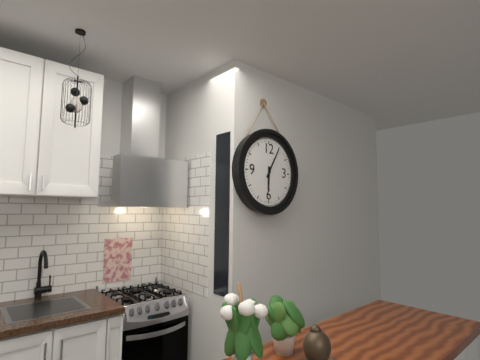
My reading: 6:05
